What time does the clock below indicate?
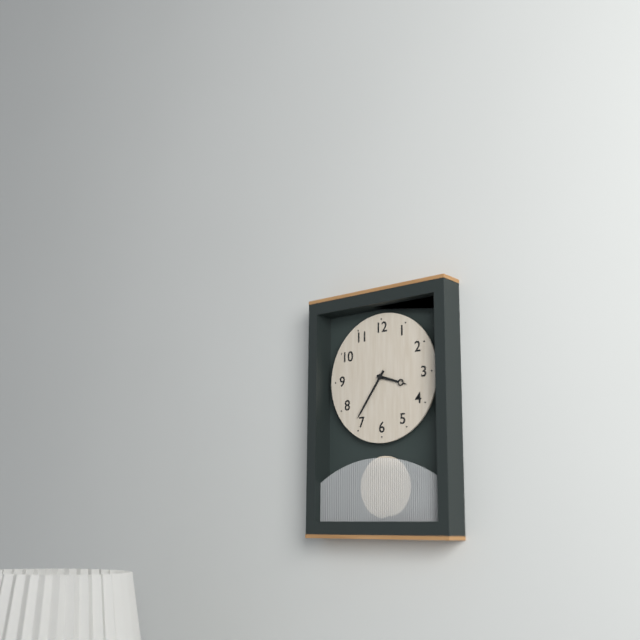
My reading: 3:36
